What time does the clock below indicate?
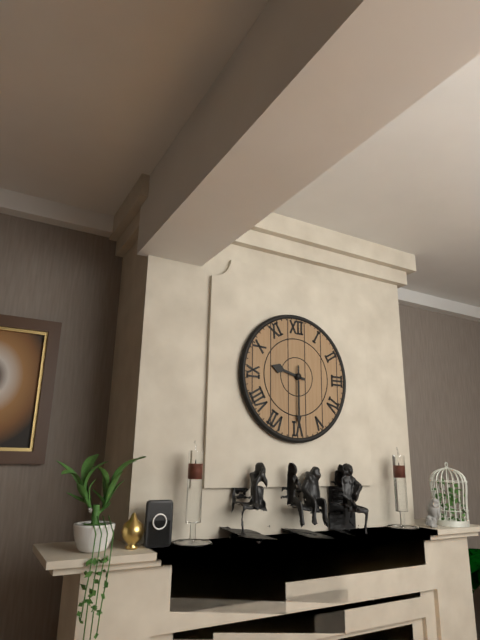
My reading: 9:30
